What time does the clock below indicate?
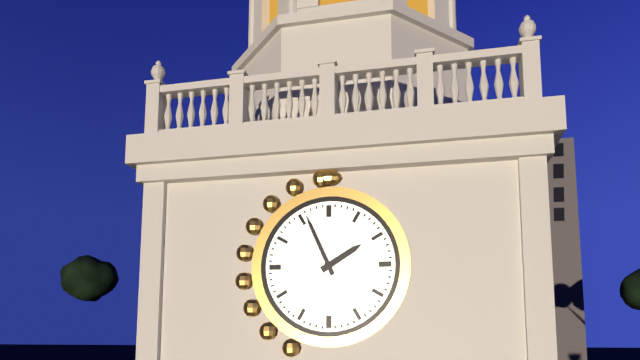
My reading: 1:56
